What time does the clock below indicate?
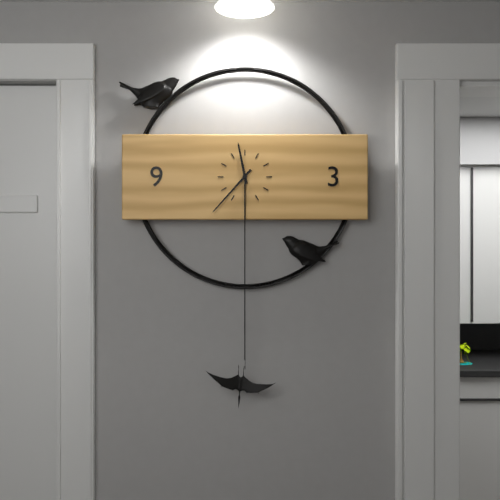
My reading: 11:37
